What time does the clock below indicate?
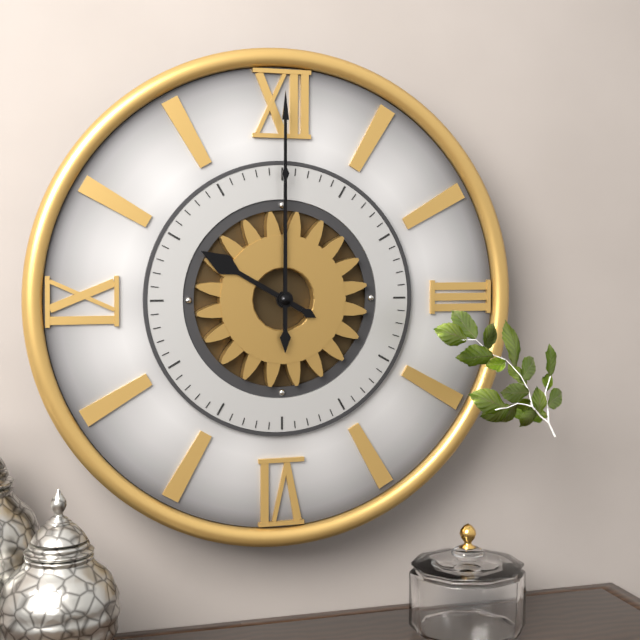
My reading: 10:00
